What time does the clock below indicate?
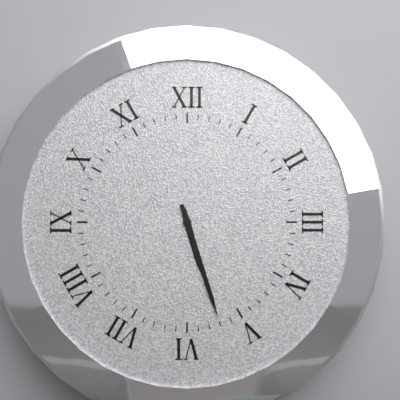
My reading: 5:27
